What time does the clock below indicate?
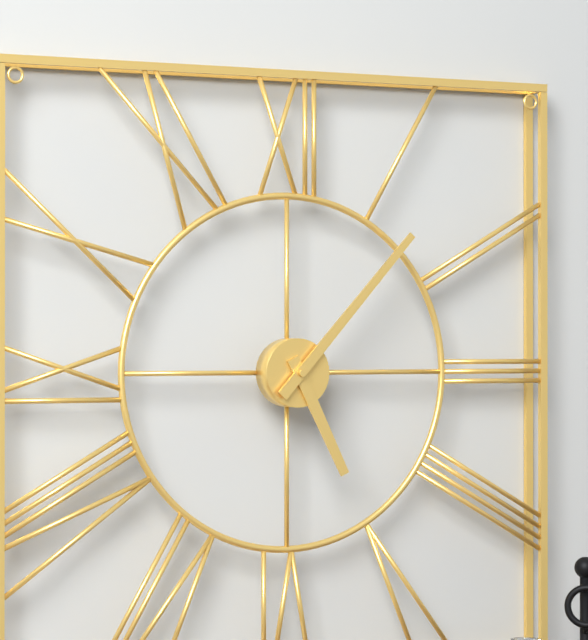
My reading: 5:07
